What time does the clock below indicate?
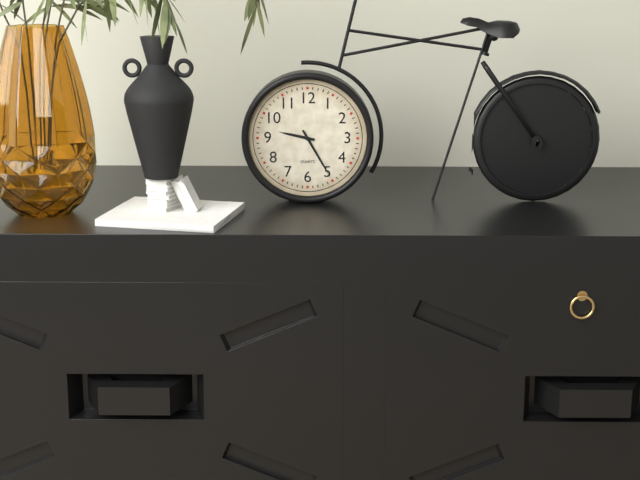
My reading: 9:25
